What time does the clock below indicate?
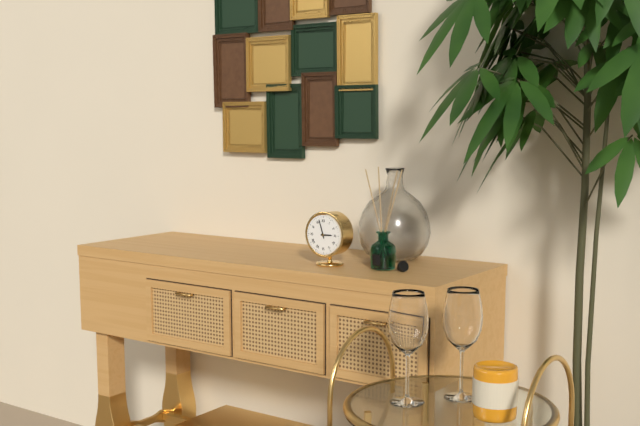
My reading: 2:57
